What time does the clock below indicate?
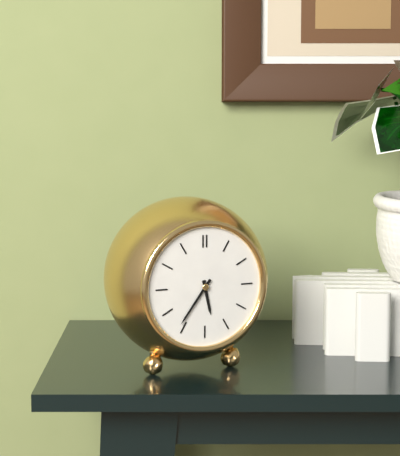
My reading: 5:36
